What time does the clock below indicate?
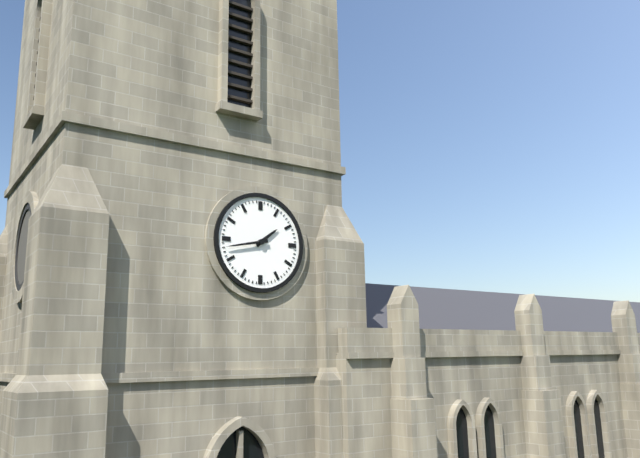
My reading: 1:43
